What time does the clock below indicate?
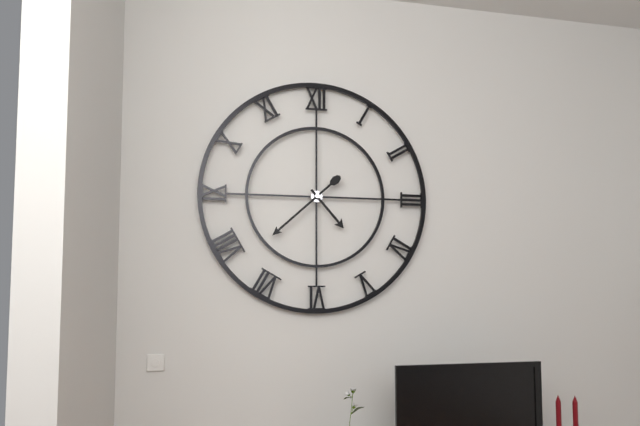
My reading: 4:38
